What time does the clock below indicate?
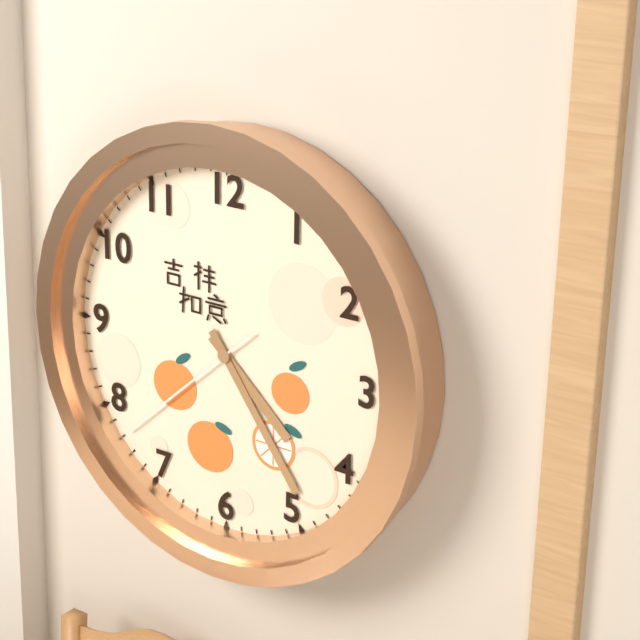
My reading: 4:24:38
